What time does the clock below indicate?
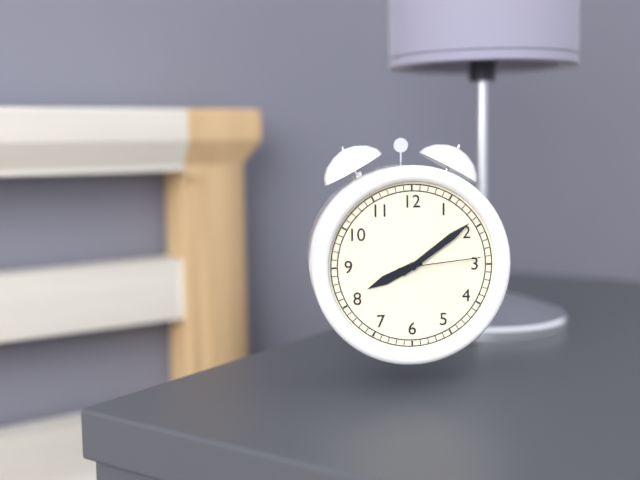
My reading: 8:09:14
